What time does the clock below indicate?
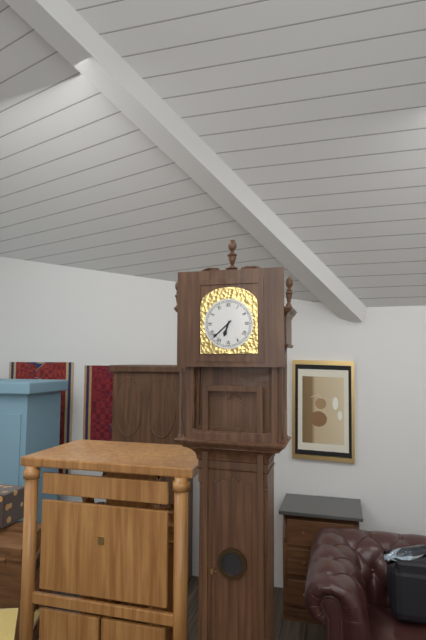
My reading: 6:38
